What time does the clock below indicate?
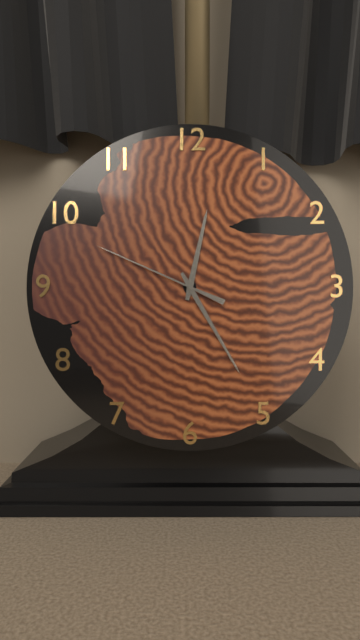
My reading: 12:25:49
